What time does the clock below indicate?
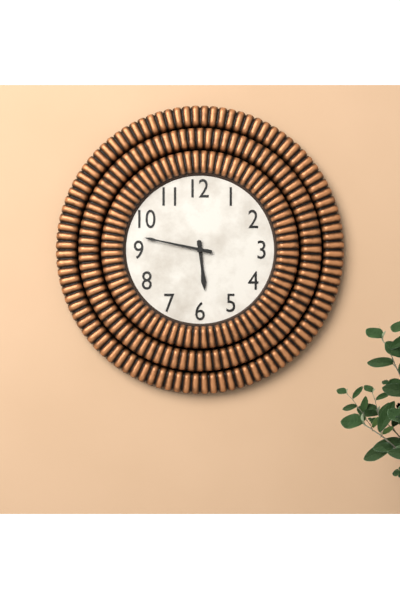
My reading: 5:47
